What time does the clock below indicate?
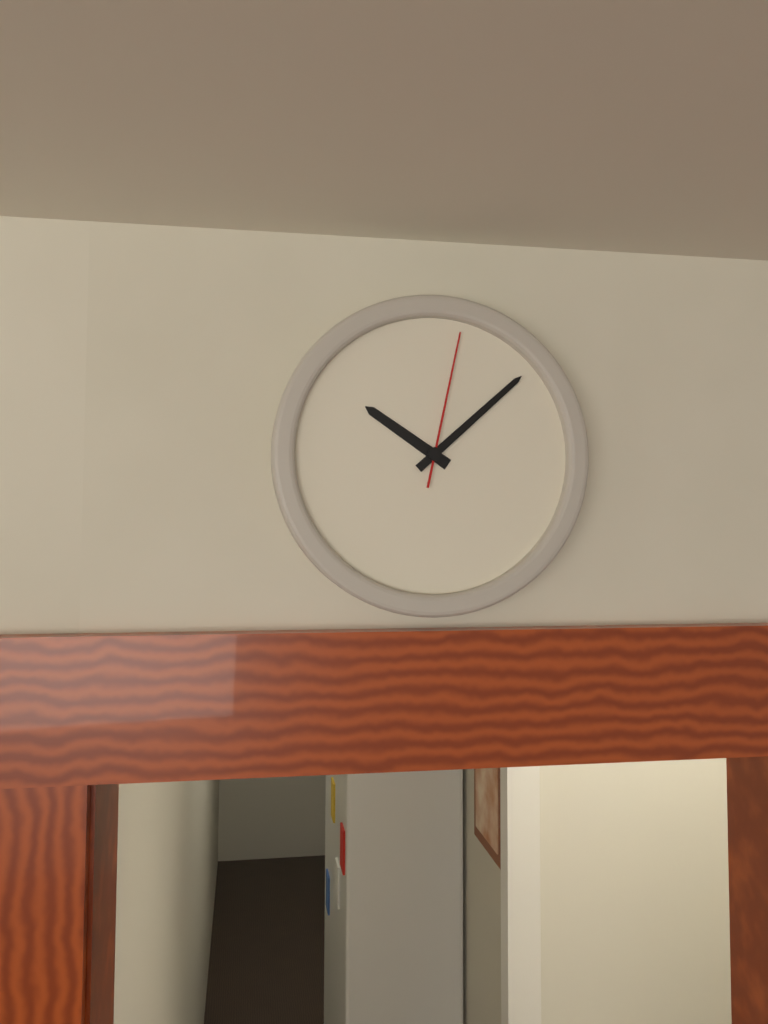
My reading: 10:08:02
